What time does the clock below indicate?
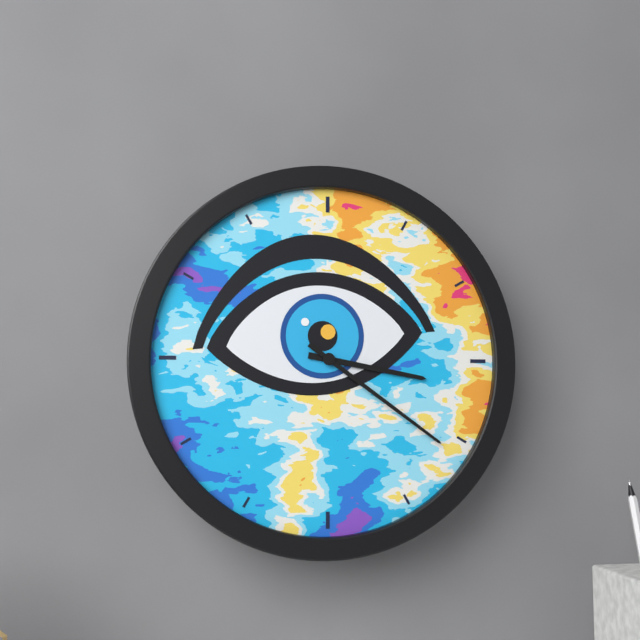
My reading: 3:21
